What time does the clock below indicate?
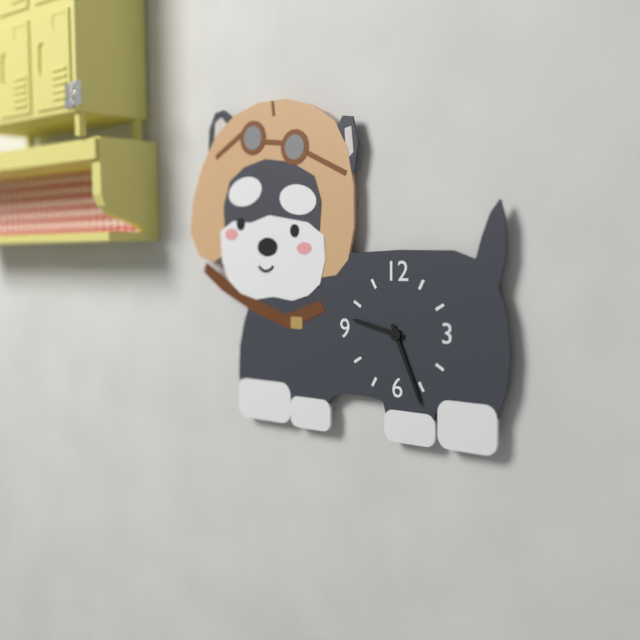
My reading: 9:26
